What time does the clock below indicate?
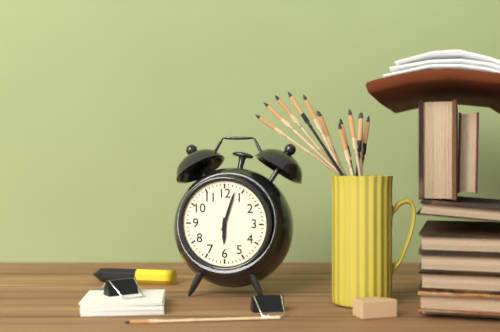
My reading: 6:03
